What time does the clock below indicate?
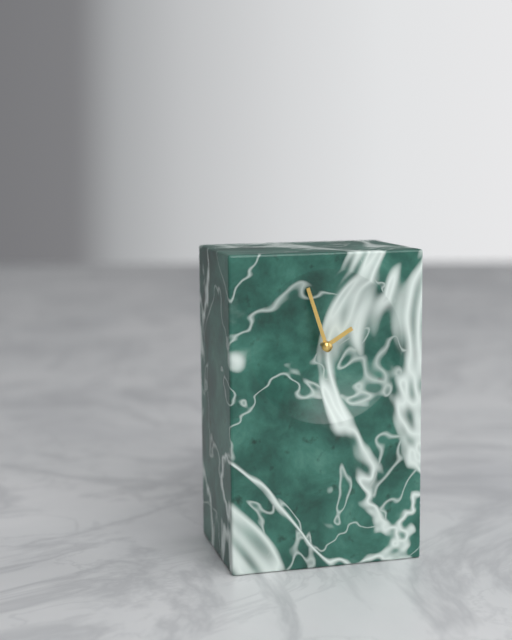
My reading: 1:57
